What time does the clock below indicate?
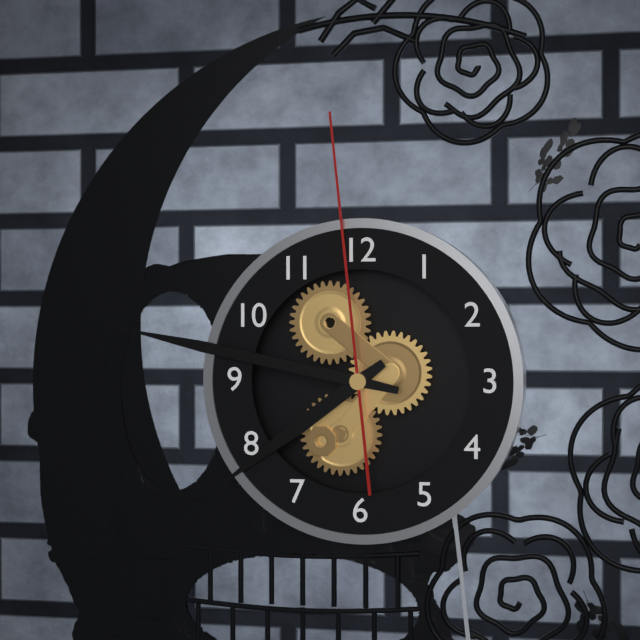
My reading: 7:47:59
